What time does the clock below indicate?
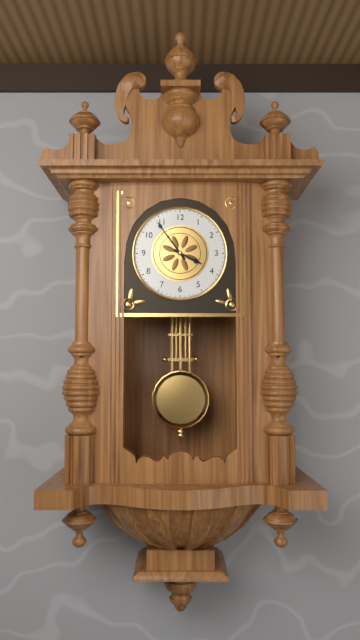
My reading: 3:54
